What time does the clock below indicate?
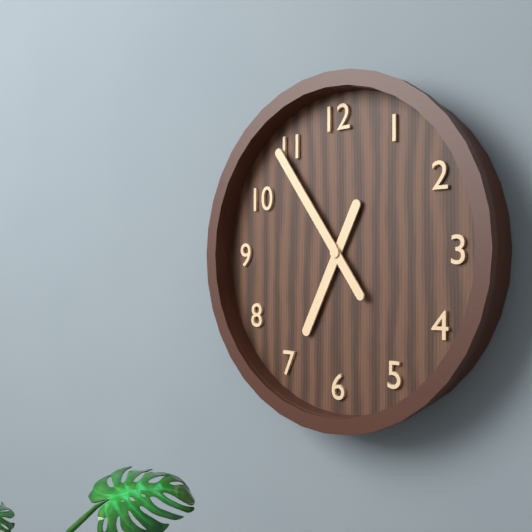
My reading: 6:54
